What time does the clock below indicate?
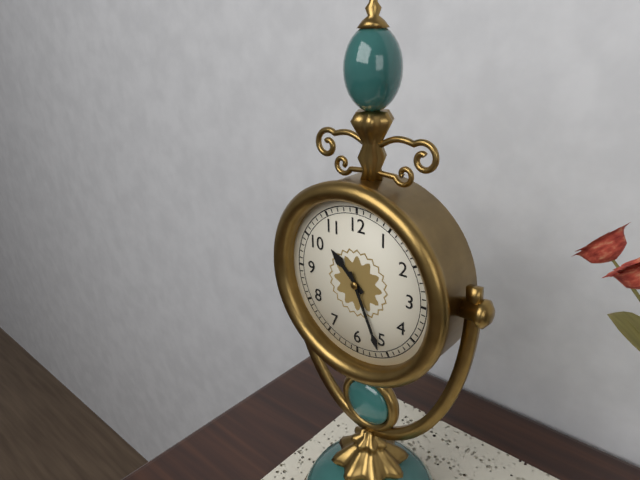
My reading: 10:26
